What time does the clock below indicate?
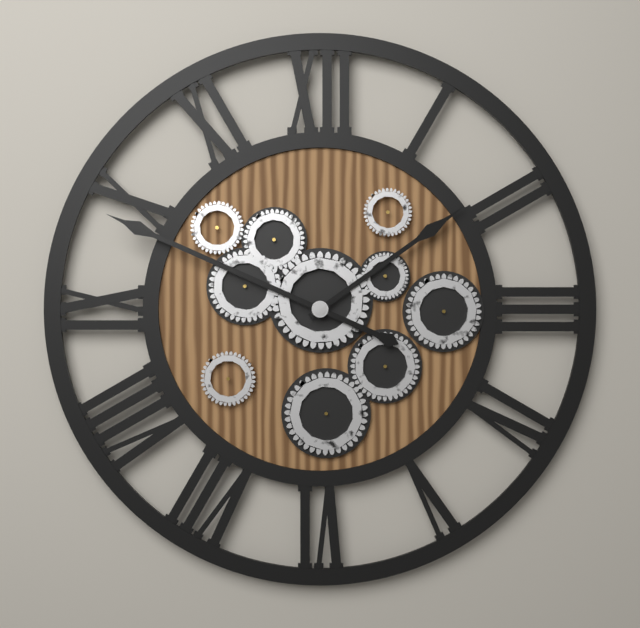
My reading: 1:49
